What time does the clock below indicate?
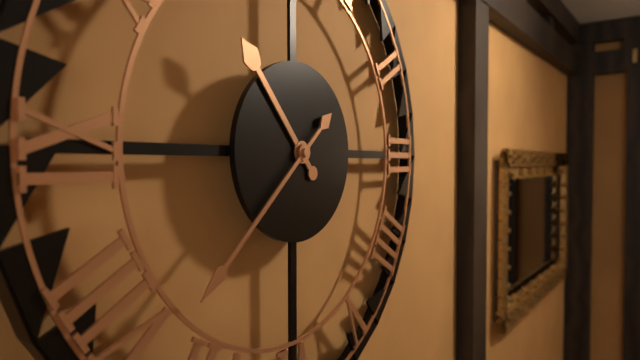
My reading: 10:38
